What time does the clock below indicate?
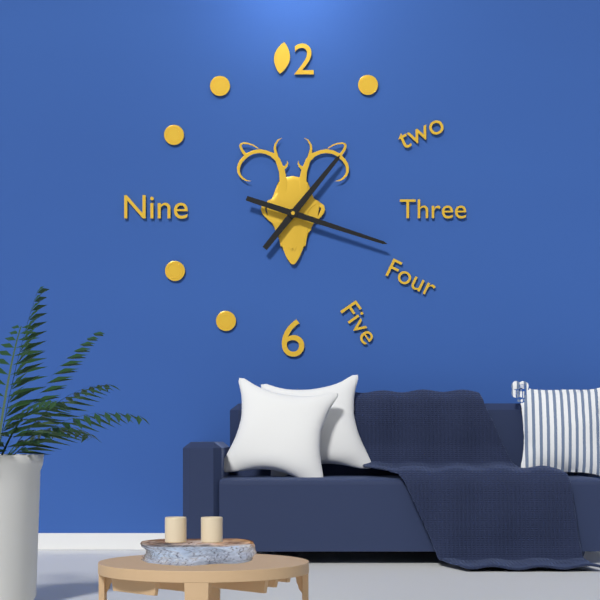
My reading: 1:18
